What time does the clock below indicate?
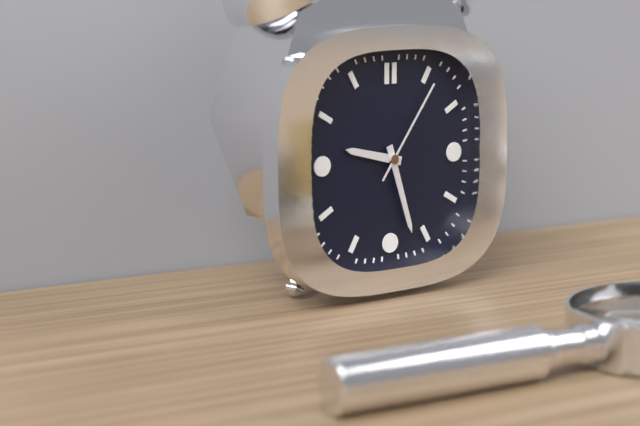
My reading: 9:27:06
